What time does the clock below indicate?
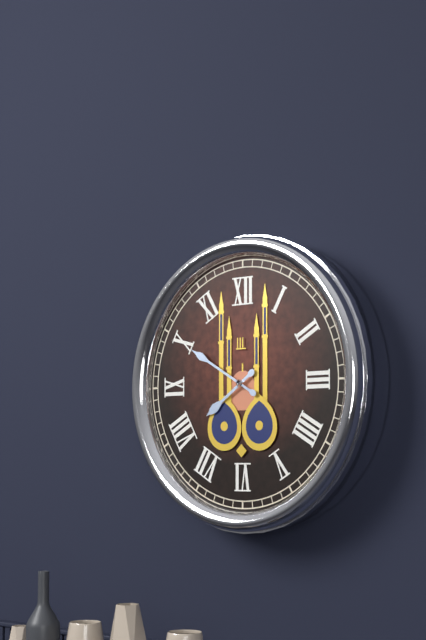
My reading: 7:50
